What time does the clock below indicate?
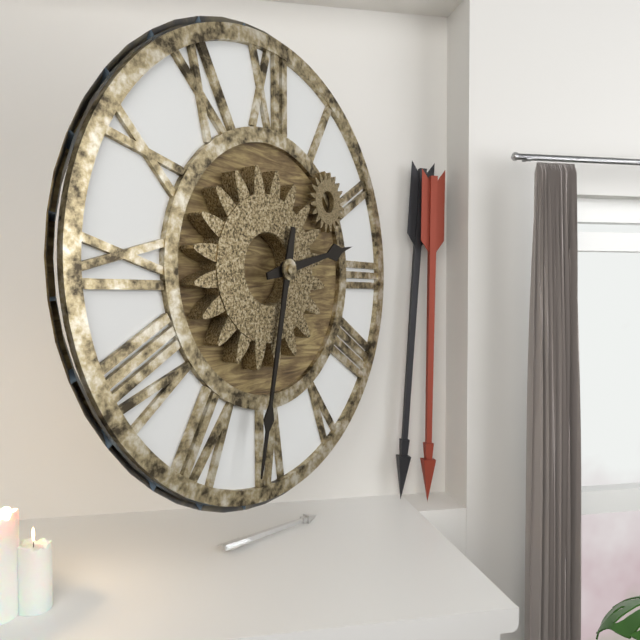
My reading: 2:32
